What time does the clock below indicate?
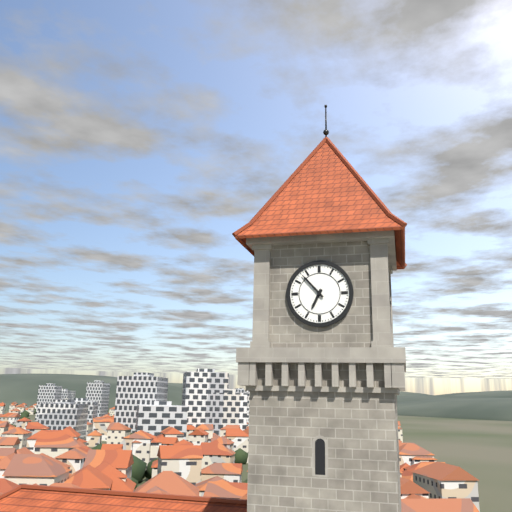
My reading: 6:53
